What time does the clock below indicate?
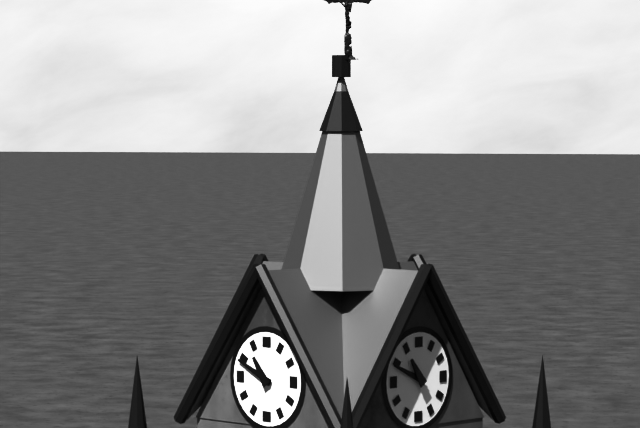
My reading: 10:49
